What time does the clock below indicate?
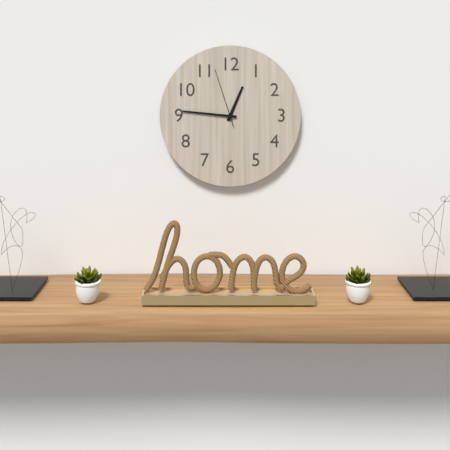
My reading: 12:46:57
